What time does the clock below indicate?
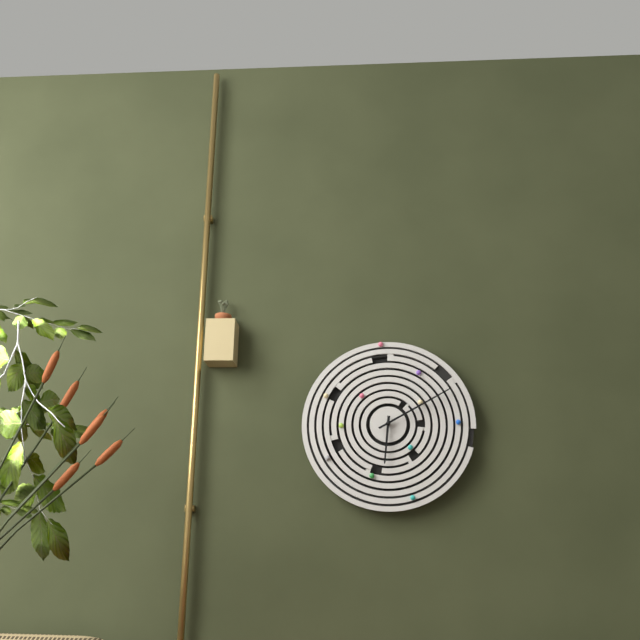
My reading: 6:10
